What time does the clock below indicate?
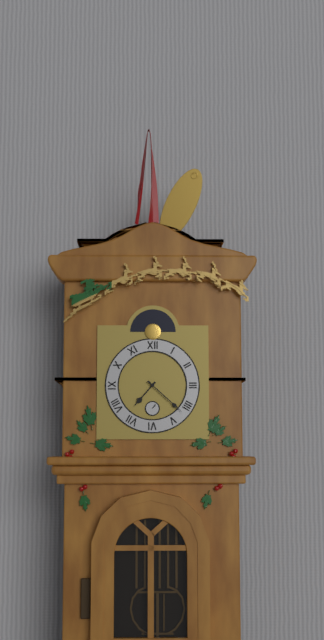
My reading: 7:22
